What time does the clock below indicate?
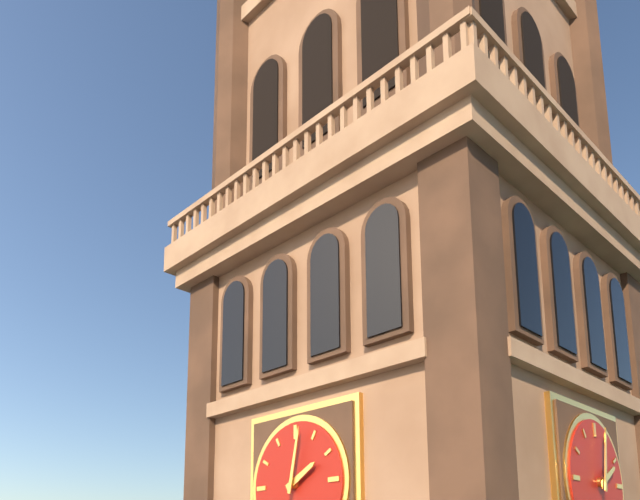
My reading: 2:02
